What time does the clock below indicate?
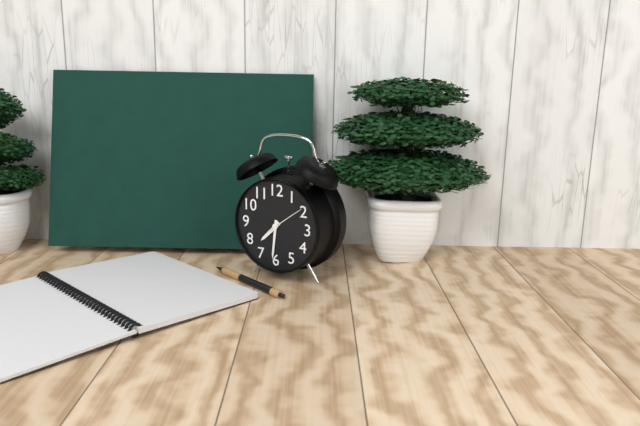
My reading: 7:31
